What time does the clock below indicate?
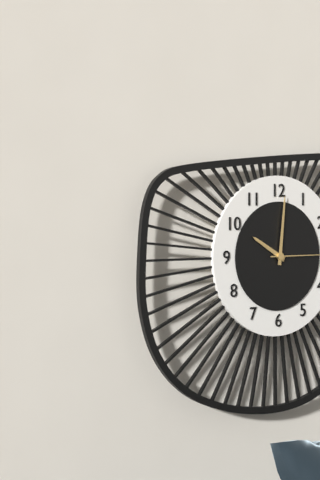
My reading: 10:01
